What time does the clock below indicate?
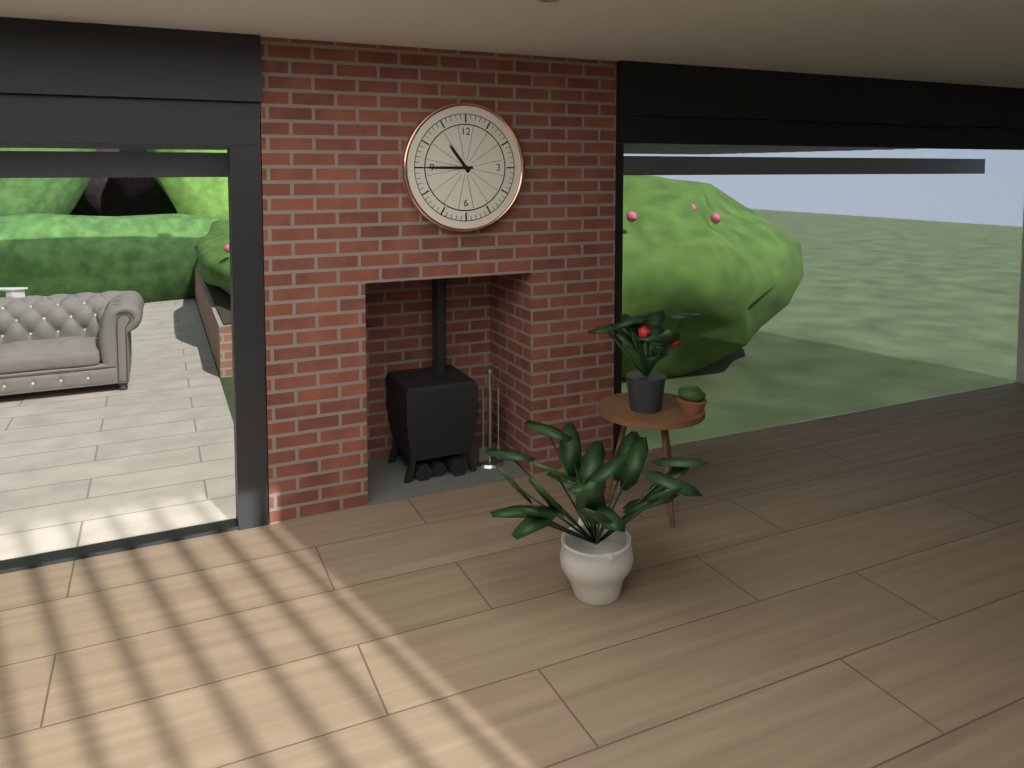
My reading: 10:45
